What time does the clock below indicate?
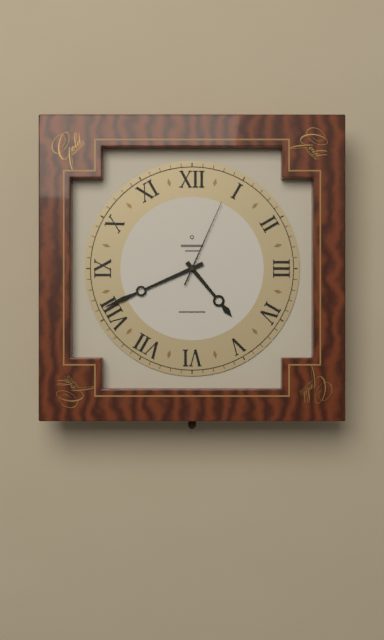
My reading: 4:41:04
